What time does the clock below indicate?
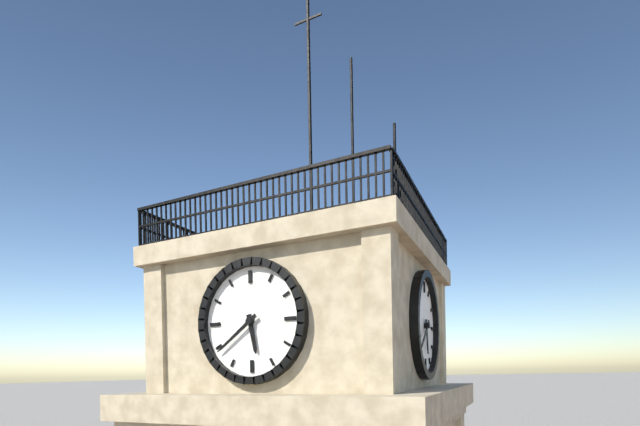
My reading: 5:39
